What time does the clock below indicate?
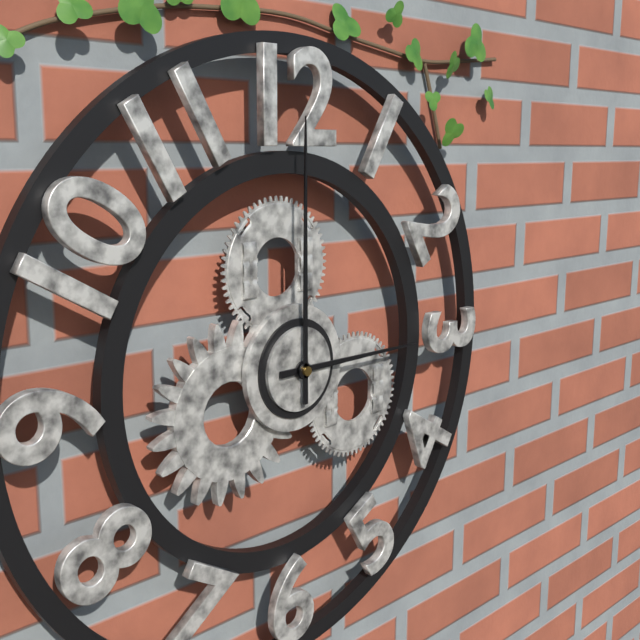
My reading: 3:00
